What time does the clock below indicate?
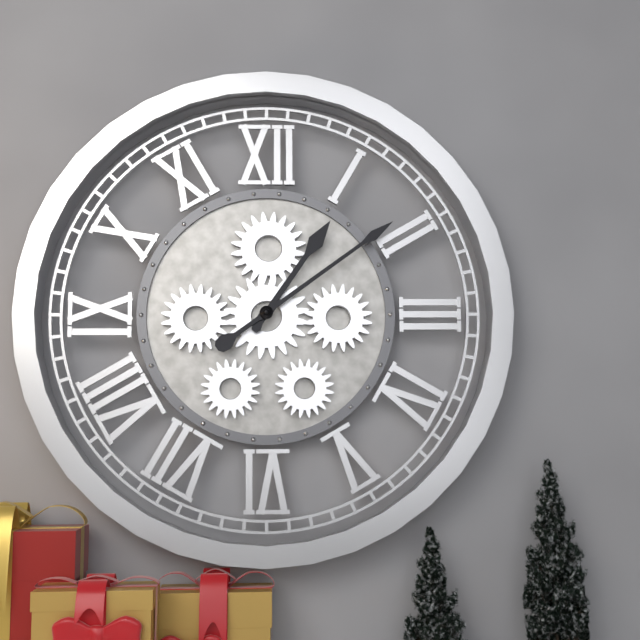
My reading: 1:09
